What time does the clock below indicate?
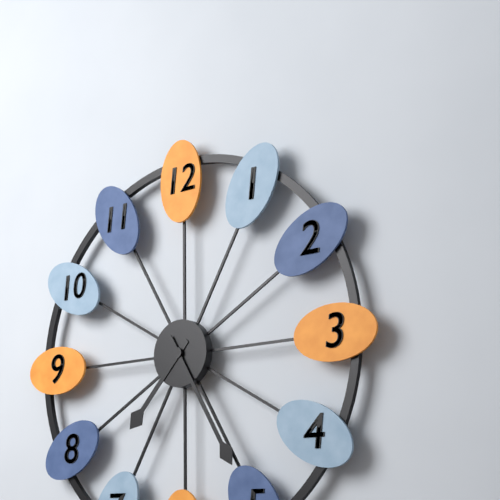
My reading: 7:25
